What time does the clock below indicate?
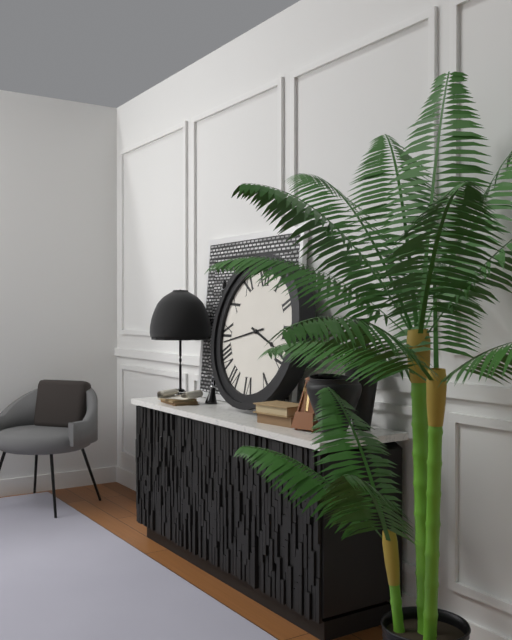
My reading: 3:43
